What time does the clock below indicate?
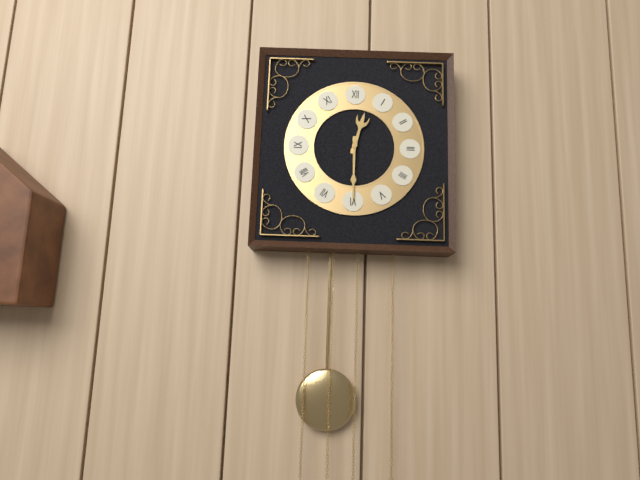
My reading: 12:30
